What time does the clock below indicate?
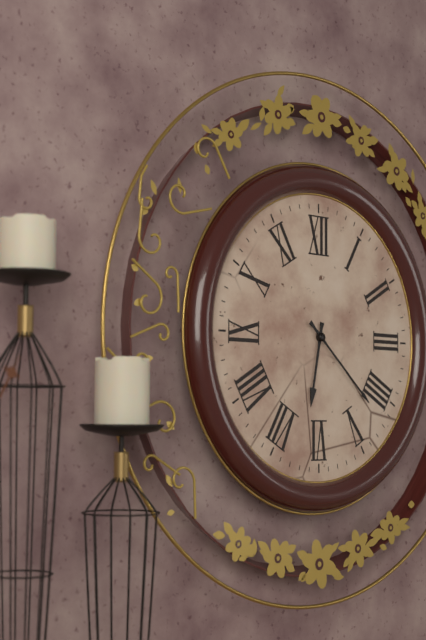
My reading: 6:22
